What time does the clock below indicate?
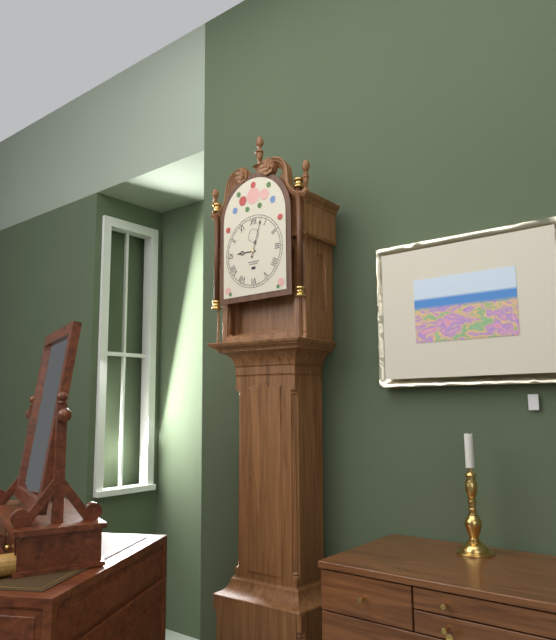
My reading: 9:03
